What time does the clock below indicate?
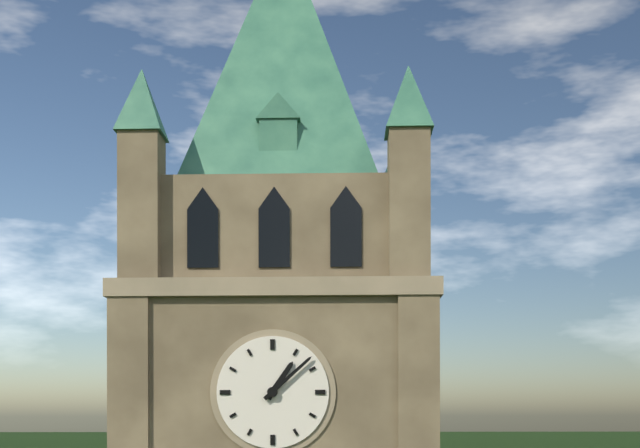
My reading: 1:08
